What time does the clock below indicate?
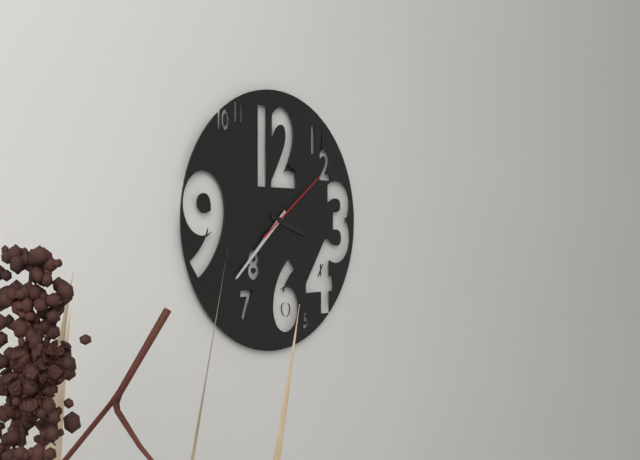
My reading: 3:38:09
